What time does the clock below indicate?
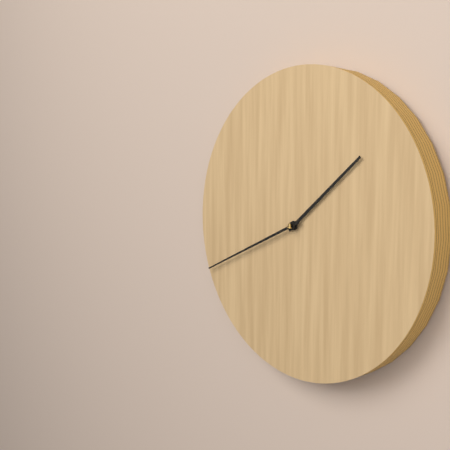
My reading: 1:41
